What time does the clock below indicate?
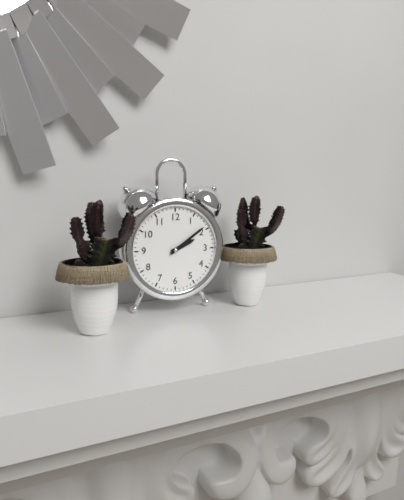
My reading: 2:09
